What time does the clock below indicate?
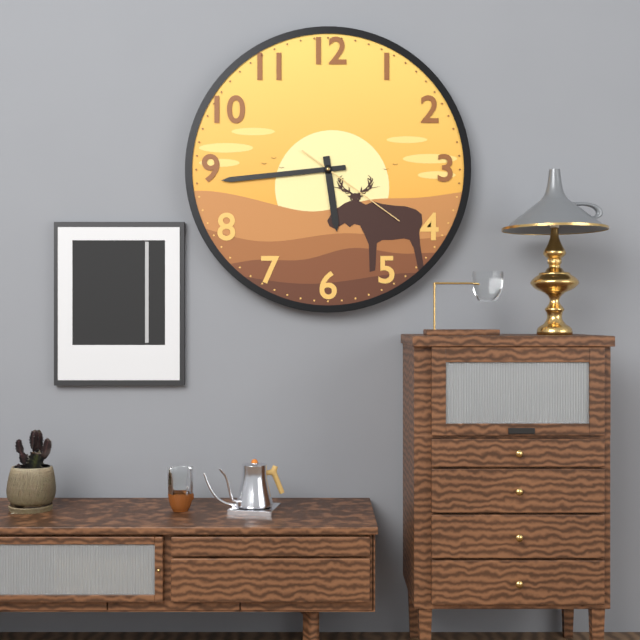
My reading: 5:44:21
